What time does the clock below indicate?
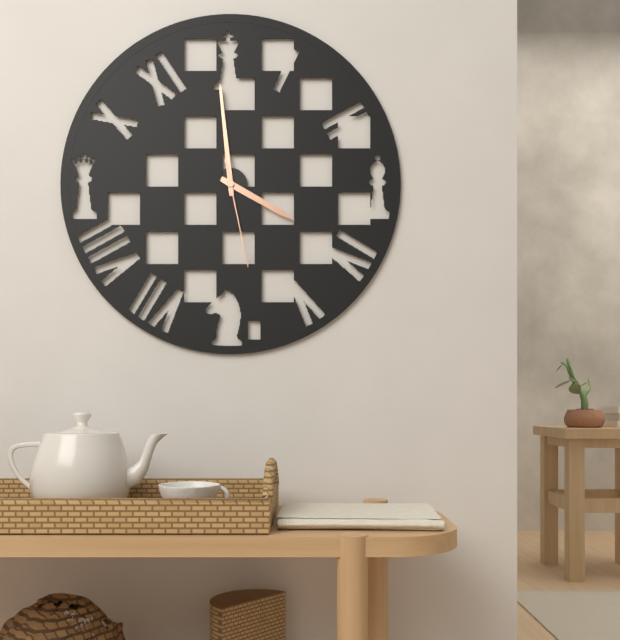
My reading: 3:59:28
